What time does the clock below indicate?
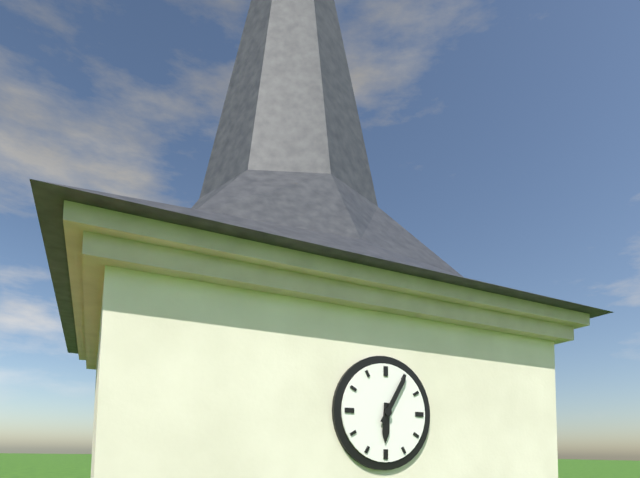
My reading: 6:05
